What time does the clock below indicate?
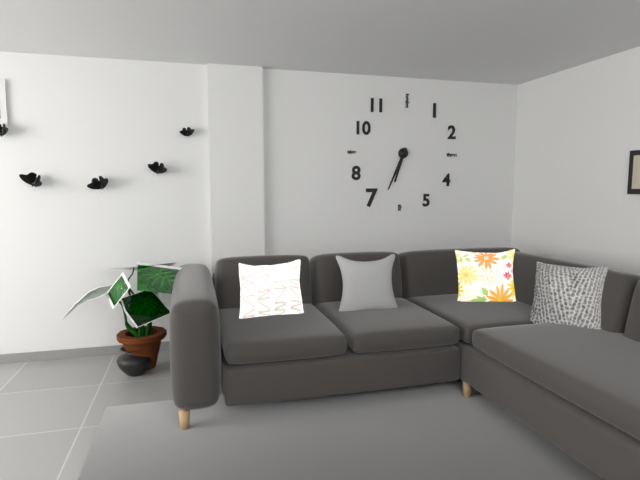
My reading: 6:34
